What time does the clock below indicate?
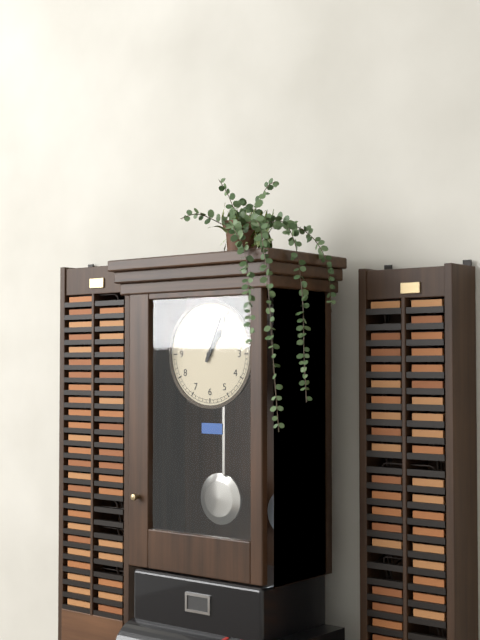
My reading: 1:04
